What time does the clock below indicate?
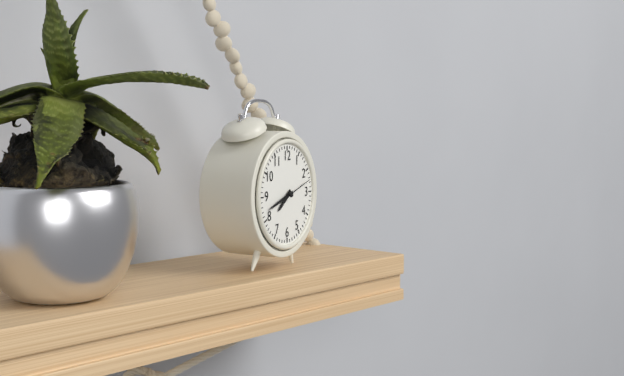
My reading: 7:42
